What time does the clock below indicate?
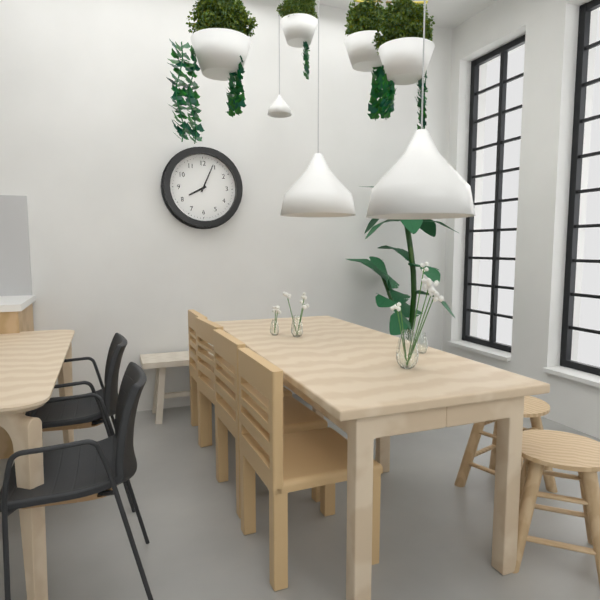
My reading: 8:04
